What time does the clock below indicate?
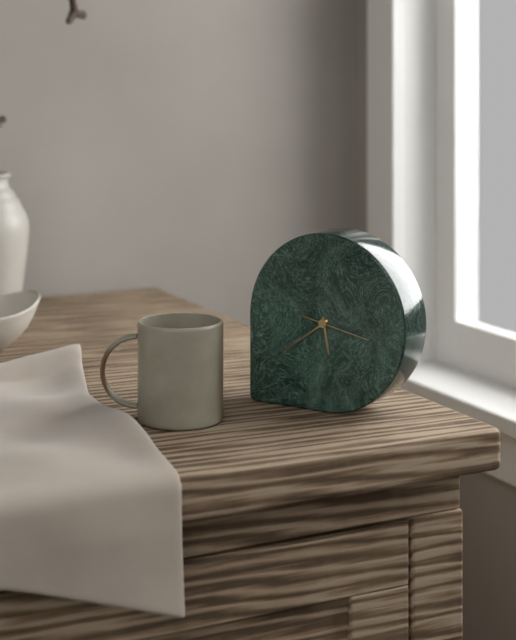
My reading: 5:39:17
